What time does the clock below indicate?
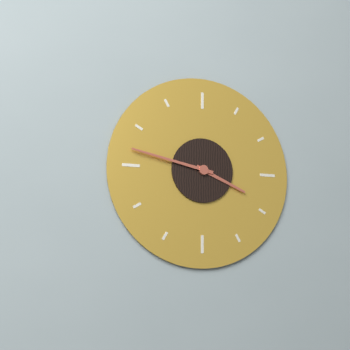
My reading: 3:47
